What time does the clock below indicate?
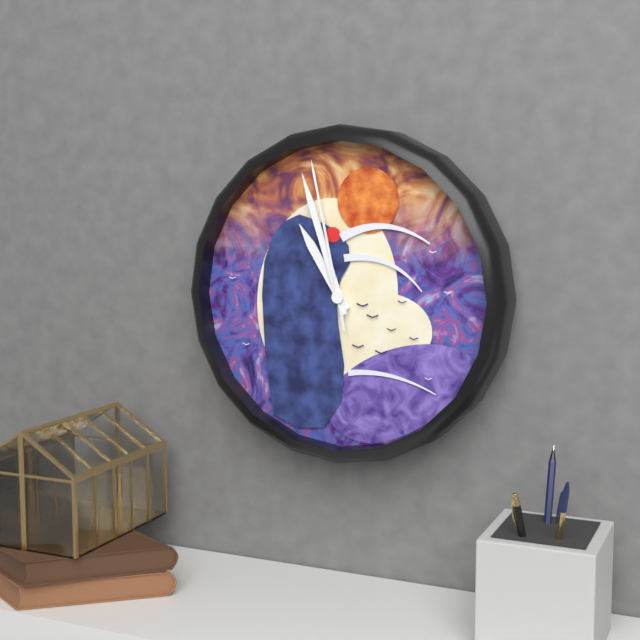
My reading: 10:57:58
